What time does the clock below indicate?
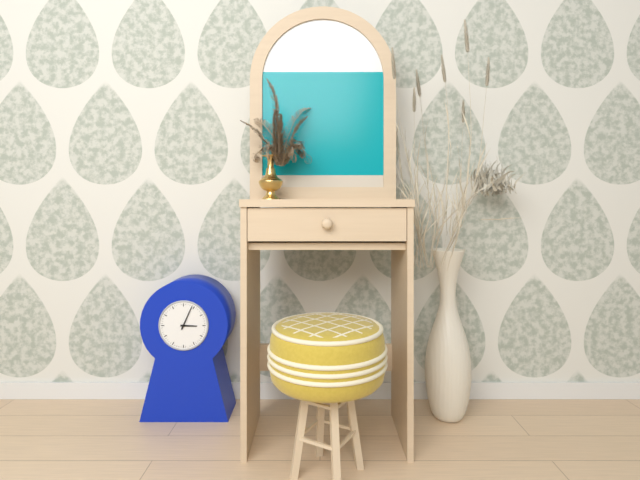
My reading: 3:04
